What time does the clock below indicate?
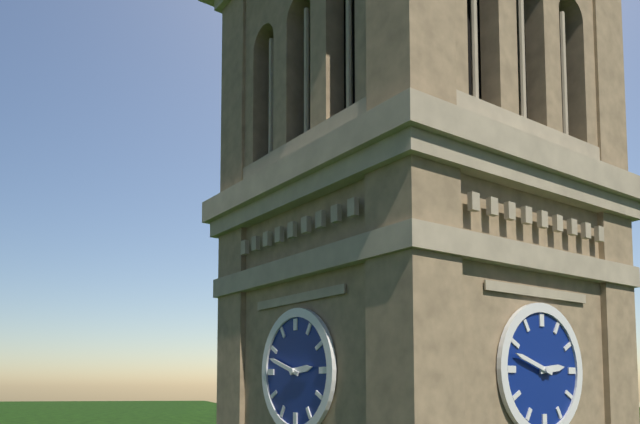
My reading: 2:48
